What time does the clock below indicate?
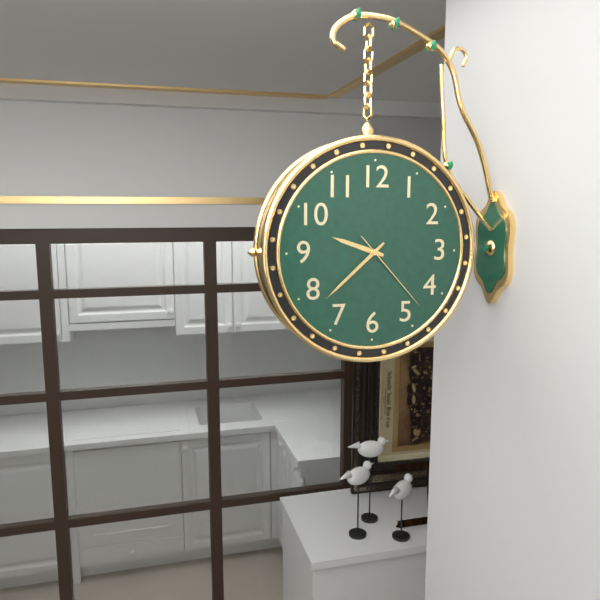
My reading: 9:38:23
